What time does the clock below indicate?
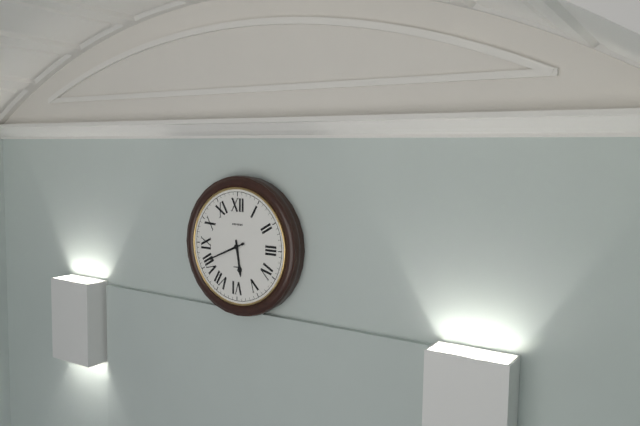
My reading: 5:41
